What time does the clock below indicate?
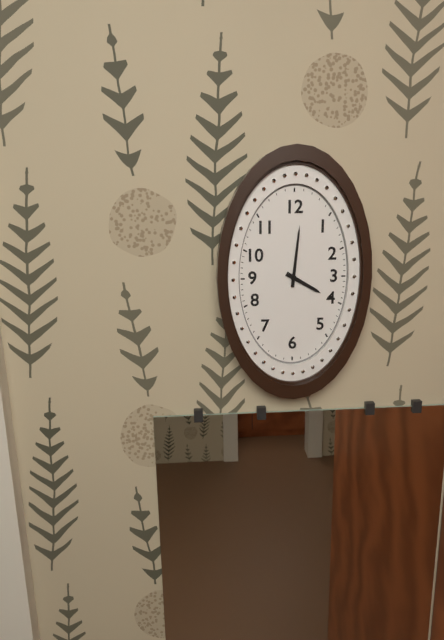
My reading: 4:01
